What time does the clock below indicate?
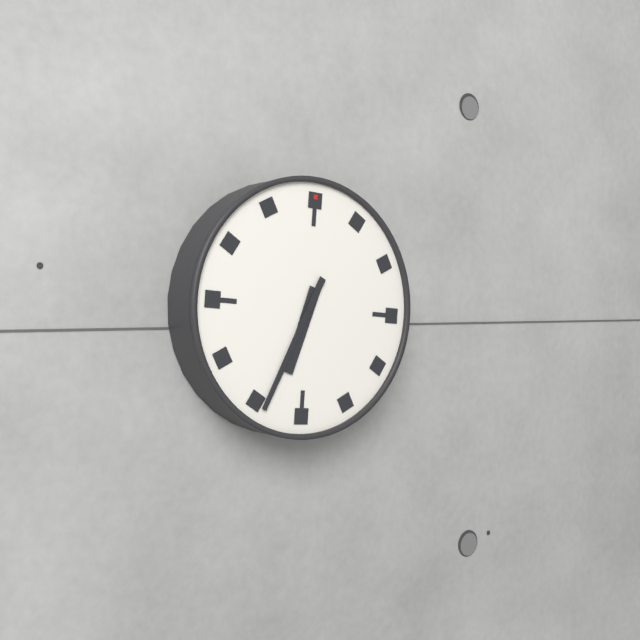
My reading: 6:34
